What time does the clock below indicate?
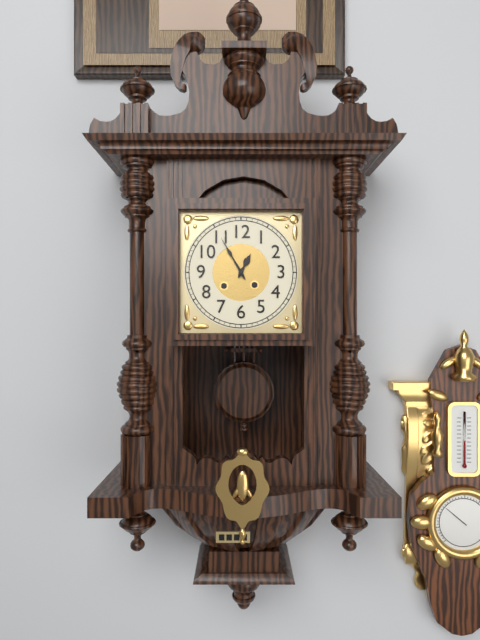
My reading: 12:55
